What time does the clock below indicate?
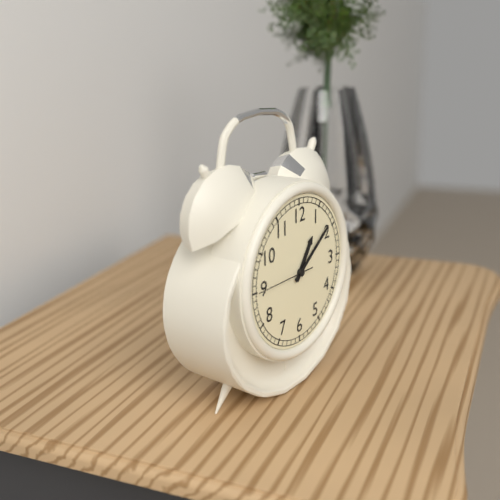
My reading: 1:09:45
